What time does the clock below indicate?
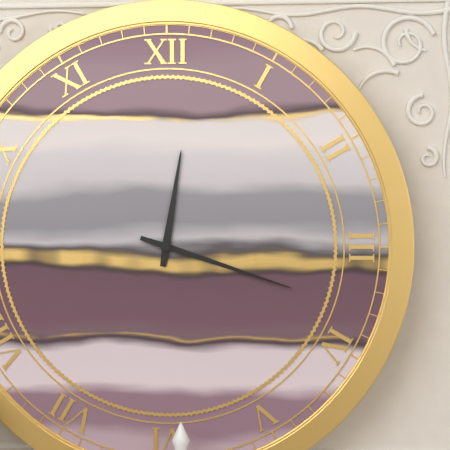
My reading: 12:18
